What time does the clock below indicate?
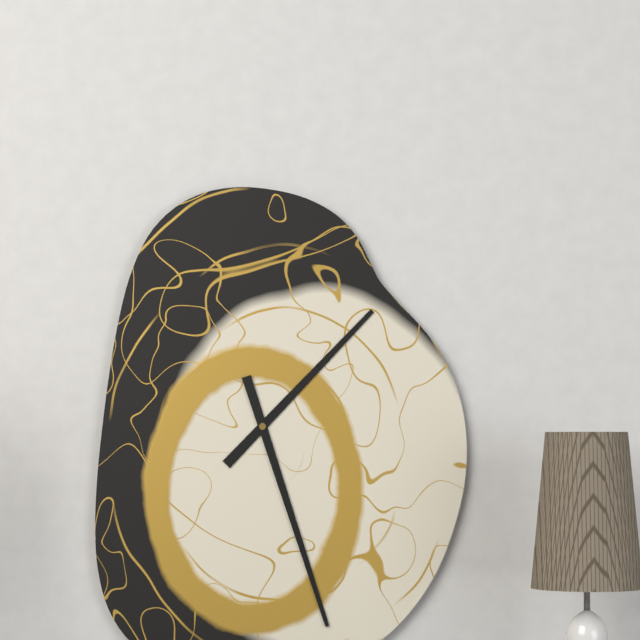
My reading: 1:27
